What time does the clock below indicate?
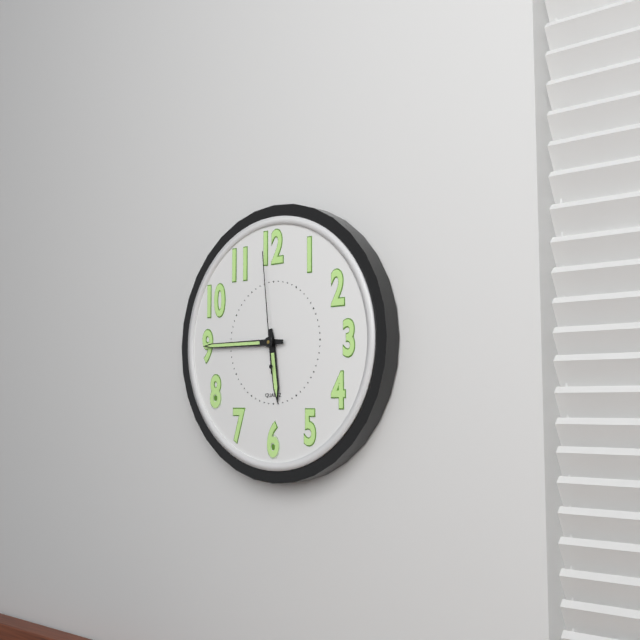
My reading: 5:45:59
